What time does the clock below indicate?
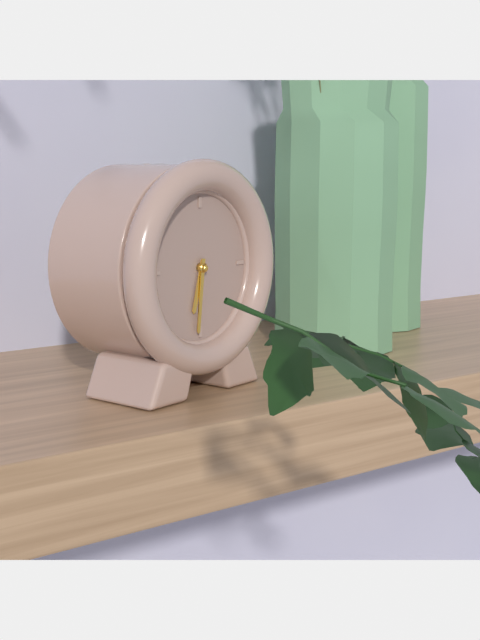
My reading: 6:31
